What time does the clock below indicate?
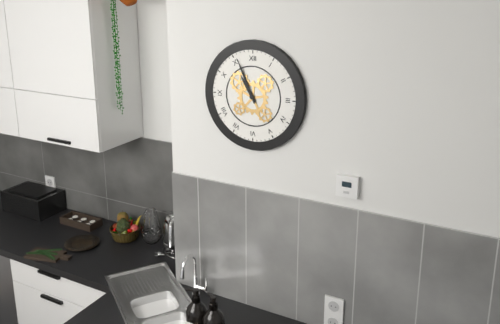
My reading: 10:56
